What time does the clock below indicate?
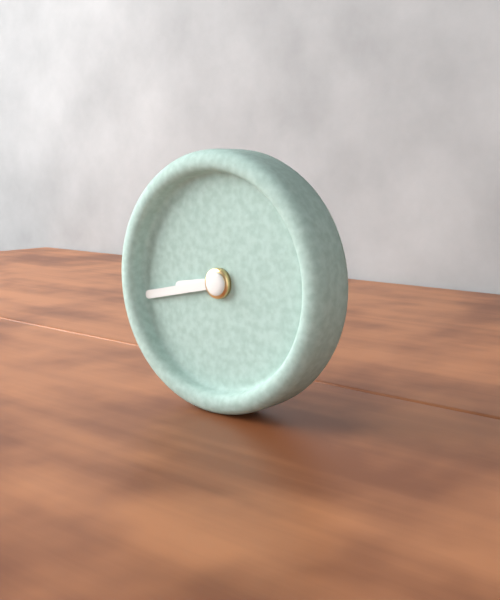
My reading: 8:43
